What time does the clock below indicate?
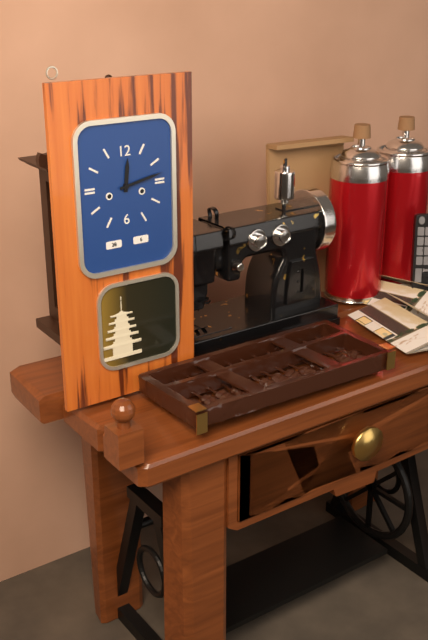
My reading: 12:13
